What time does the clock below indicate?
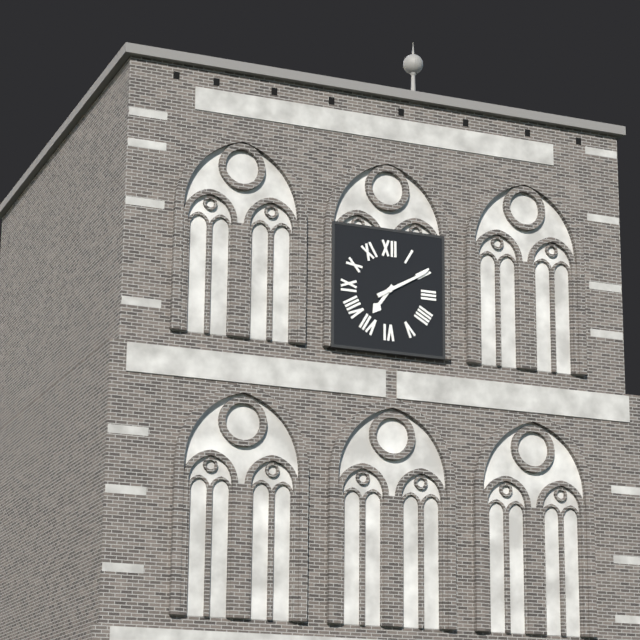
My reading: 7:10
